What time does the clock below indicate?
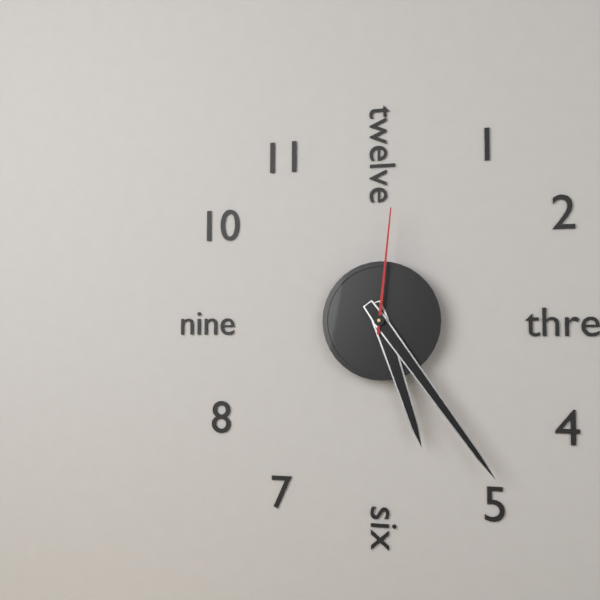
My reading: 5:24:01
